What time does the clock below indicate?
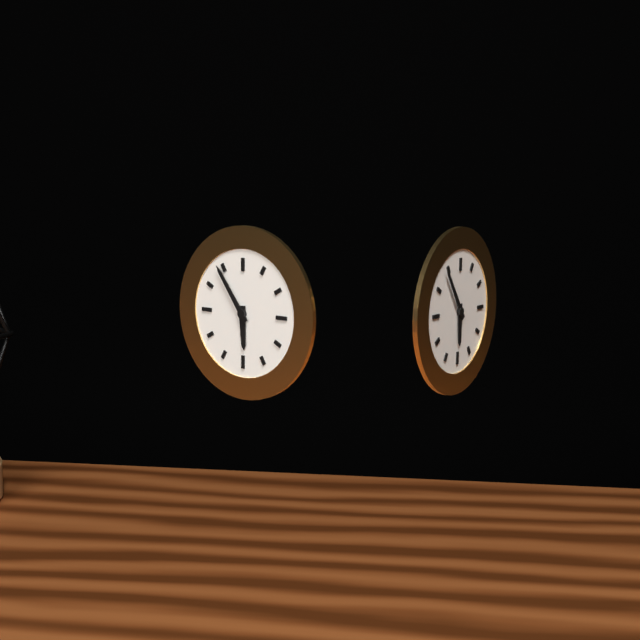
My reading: 5:54
